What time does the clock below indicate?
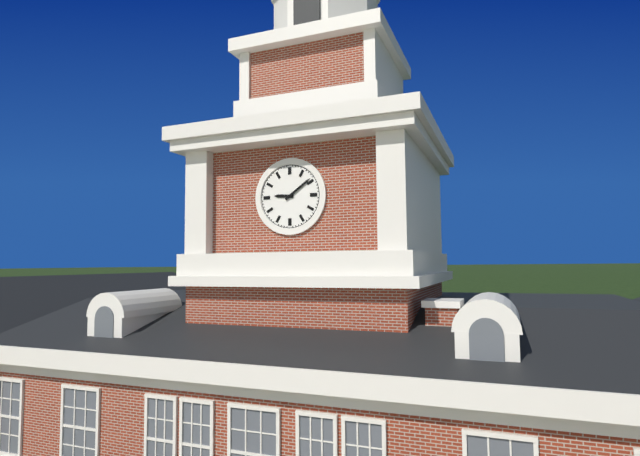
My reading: 9:09
